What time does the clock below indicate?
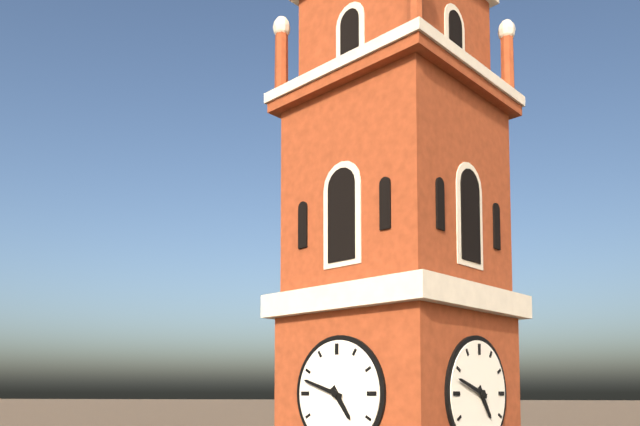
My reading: 4:48
